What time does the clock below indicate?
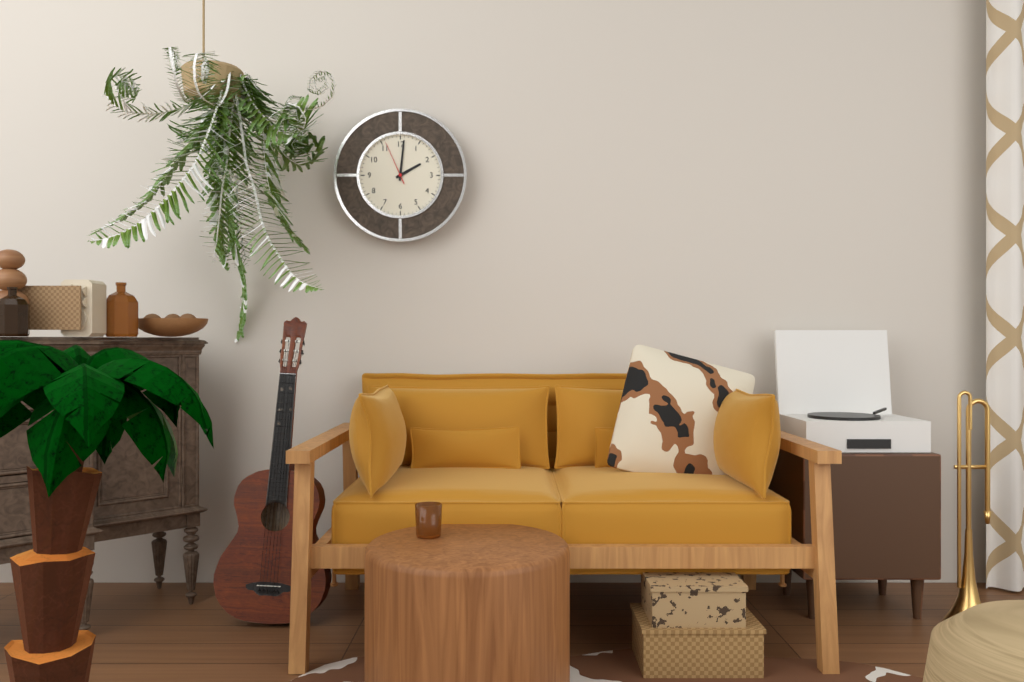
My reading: 2:01
